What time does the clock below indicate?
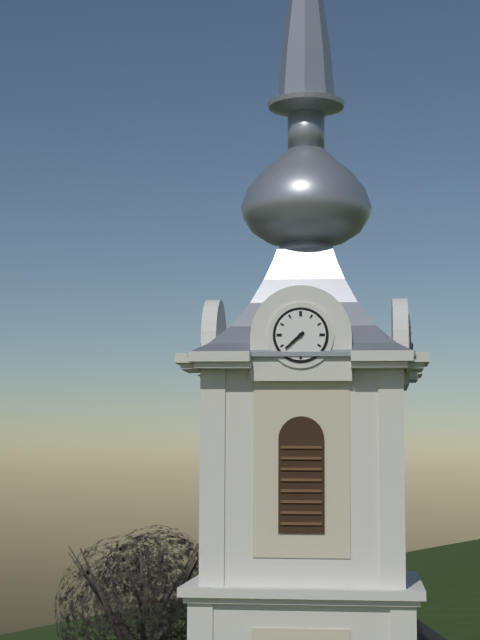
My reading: 7:38
